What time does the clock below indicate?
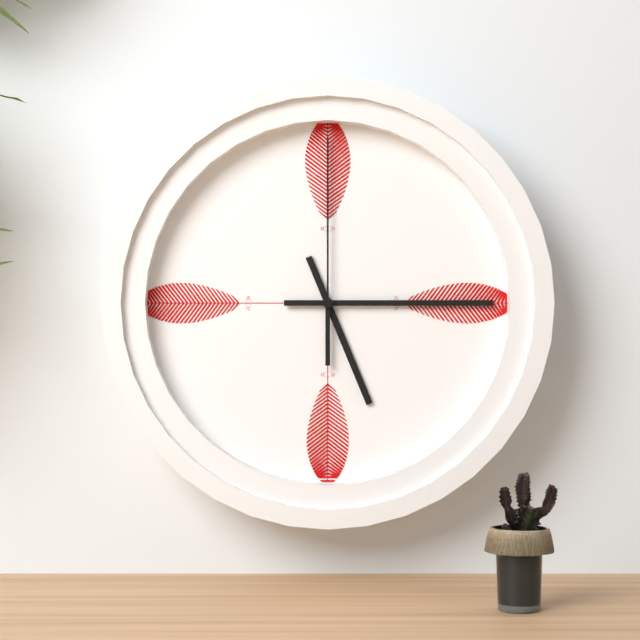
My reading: 5:15:00
